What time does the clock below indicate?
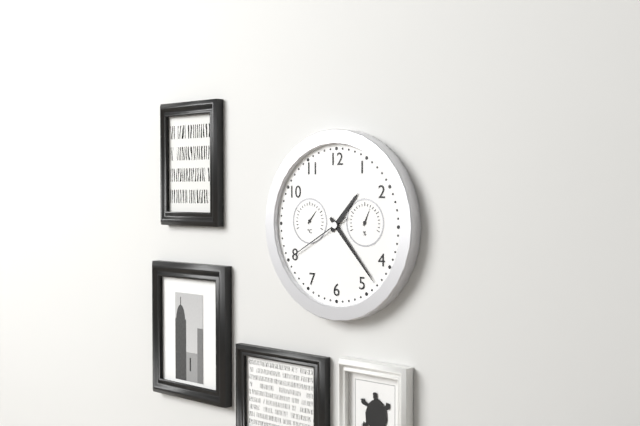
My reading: 1:23:40
